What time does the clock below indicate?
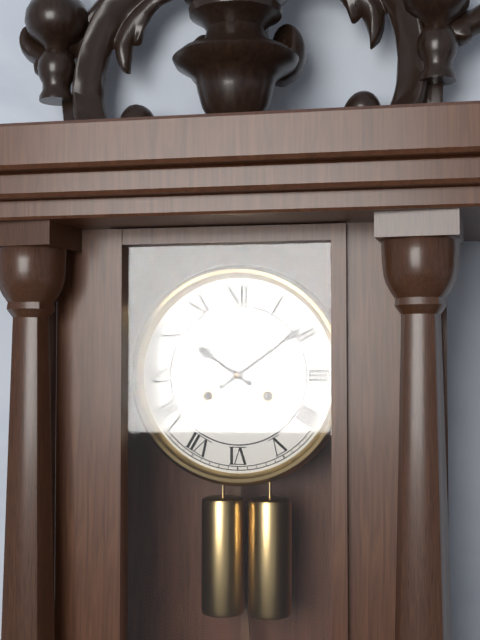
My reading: 10:09
